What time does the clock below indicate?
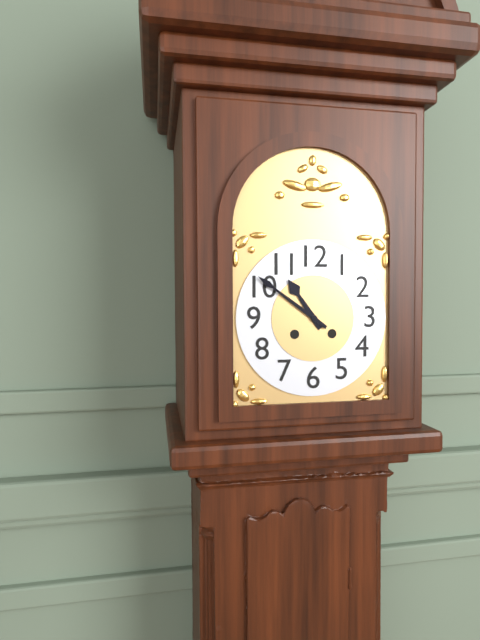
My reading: 10:51
